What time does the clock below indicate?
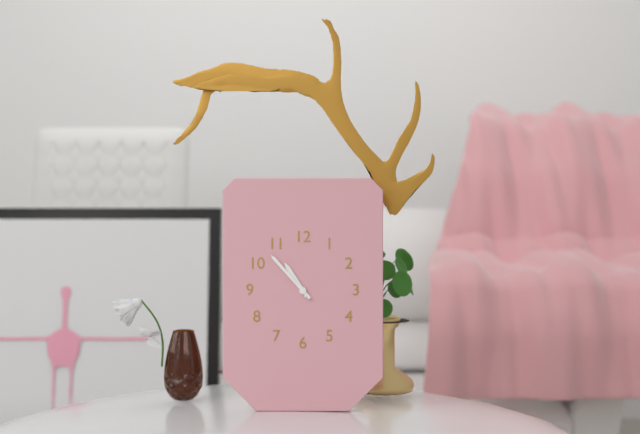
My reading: 10:53
